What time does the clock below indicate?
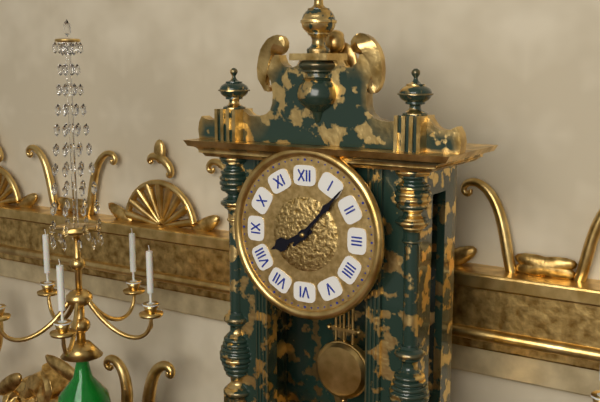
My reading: 8:07
